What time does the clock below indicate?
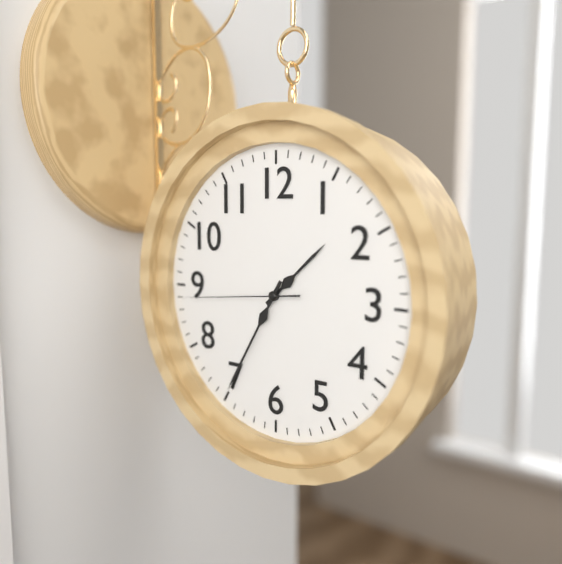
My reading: 1:35:44
